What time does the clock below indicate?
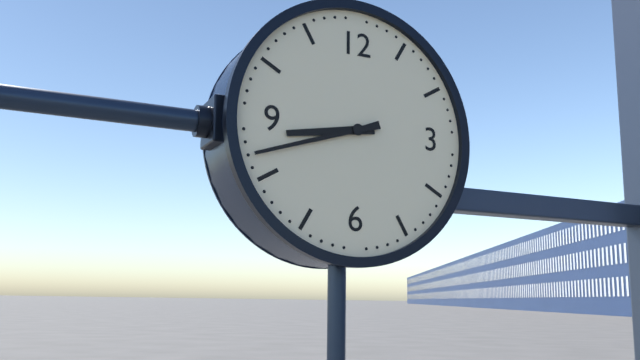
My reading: 8:42
